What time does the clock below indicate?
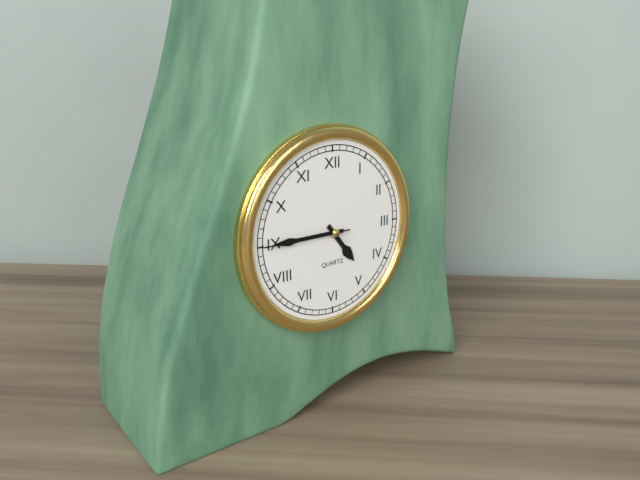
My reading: 4:45:45
